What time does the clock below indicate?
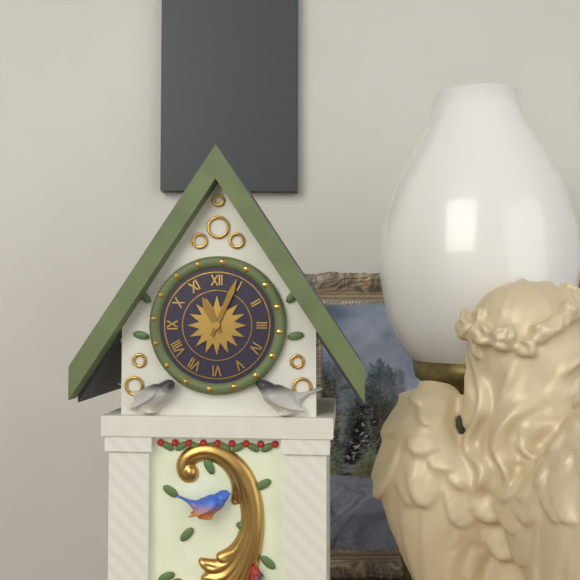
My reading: 11:04
